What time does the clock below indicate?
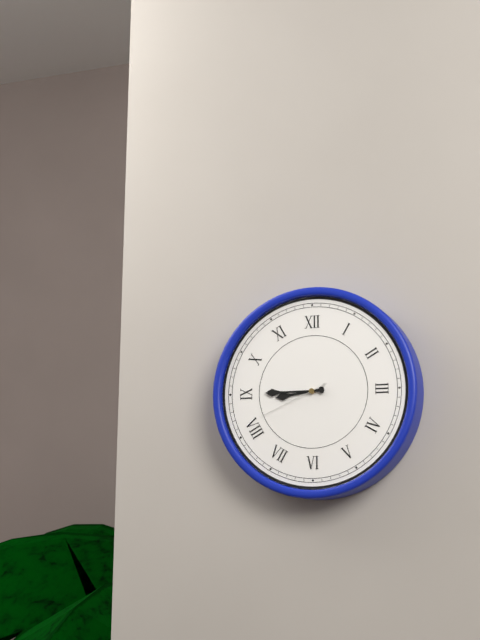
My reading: 8:45:41
